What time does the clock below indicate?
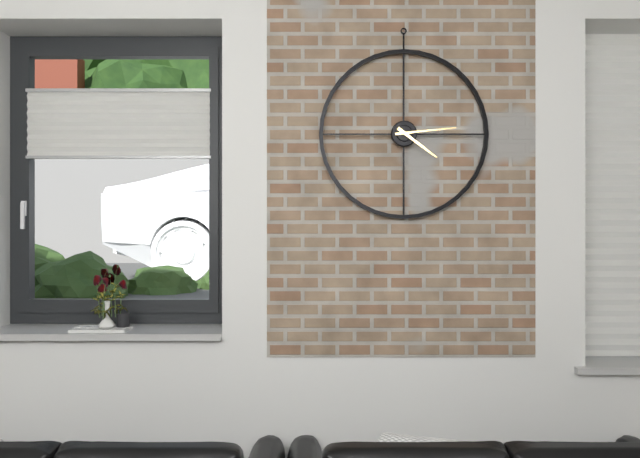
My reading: 4:14
